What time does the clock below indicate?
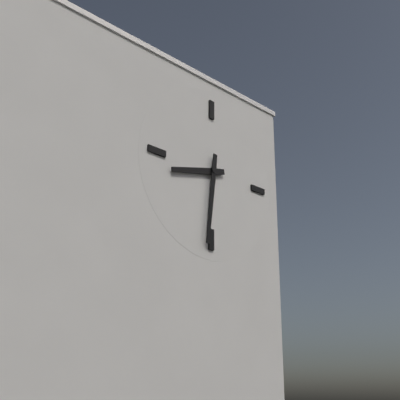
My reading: 8:31
